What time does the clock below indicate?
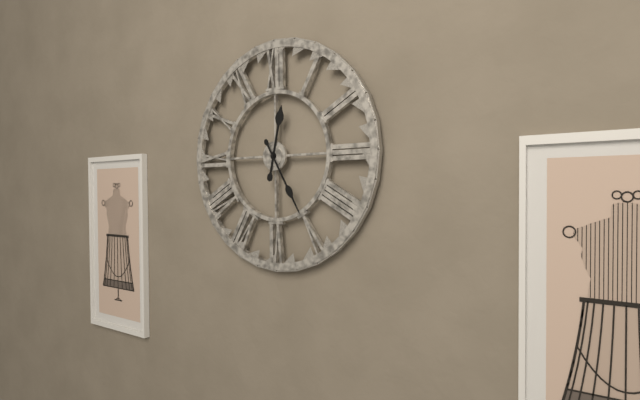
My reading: 12:25
